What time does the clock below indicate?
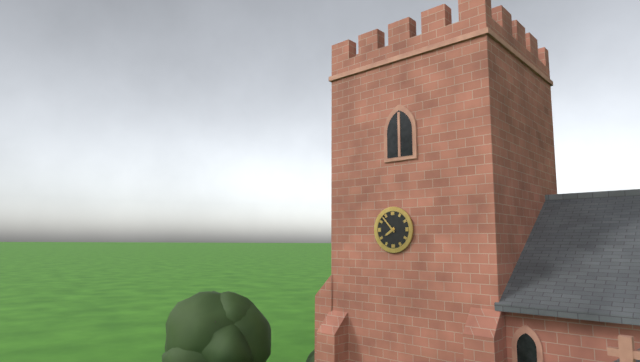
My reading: 7:53
